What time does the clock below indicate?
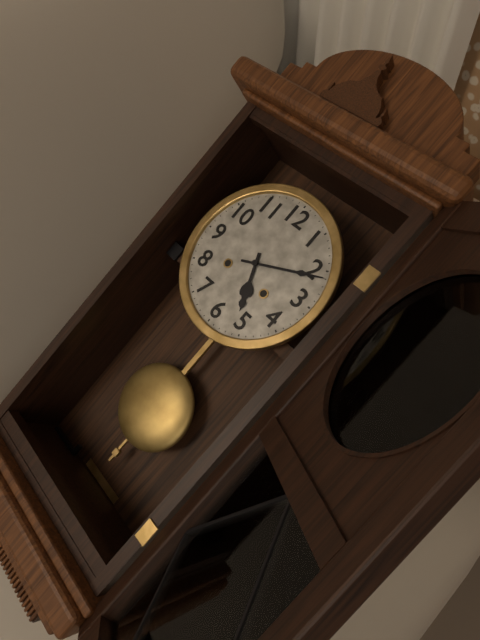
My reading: 5:11
